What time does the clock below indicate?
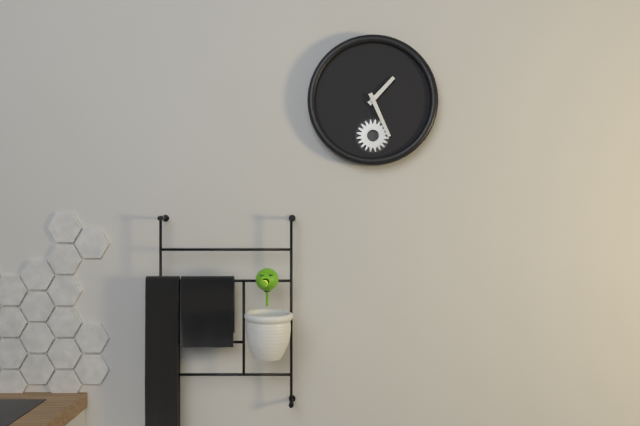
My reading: 1:26
